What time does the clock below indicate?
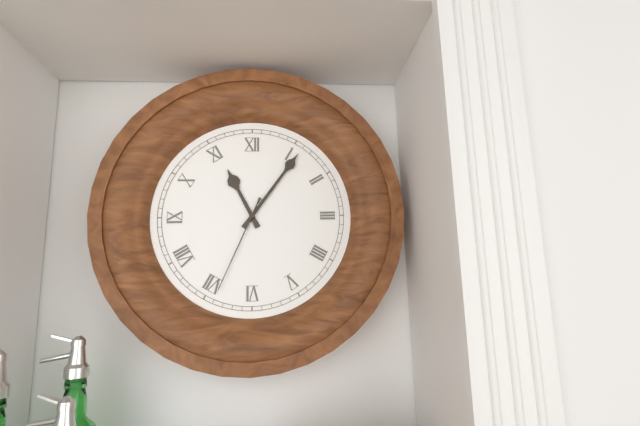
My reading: 11:06:34
